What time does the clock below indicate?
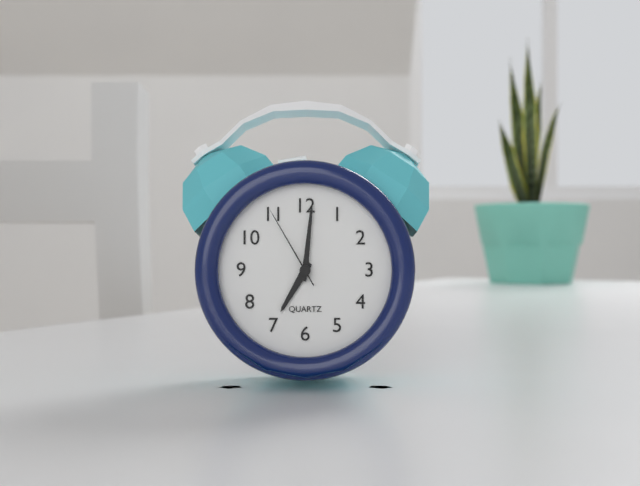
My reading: 7:01:55
